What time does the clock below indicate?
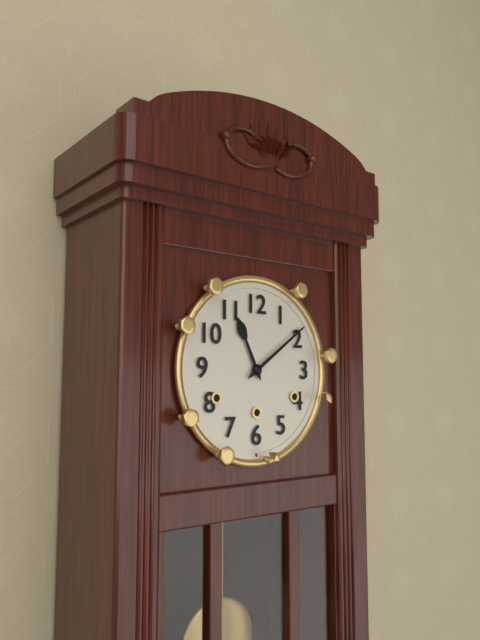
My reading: 11:09
